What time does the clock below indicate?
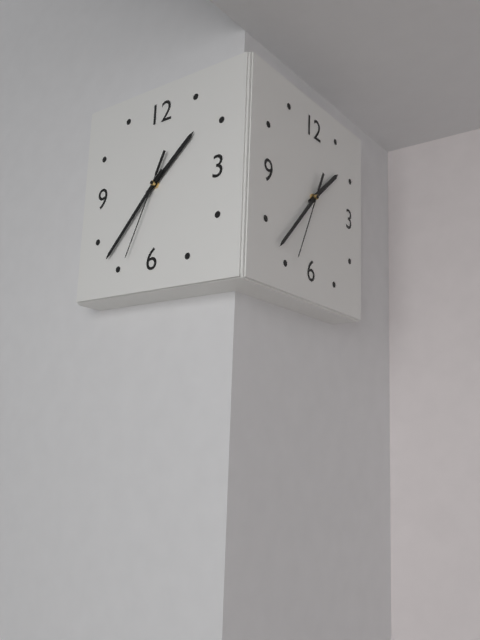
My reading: 1:37:34
